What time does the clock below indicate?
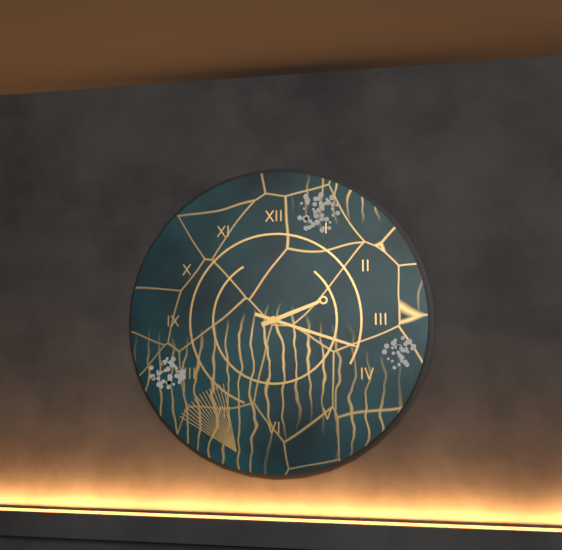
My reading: 2:18
